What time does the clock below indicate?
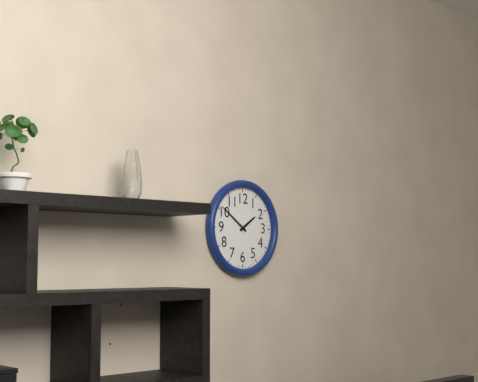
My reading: 1:51
